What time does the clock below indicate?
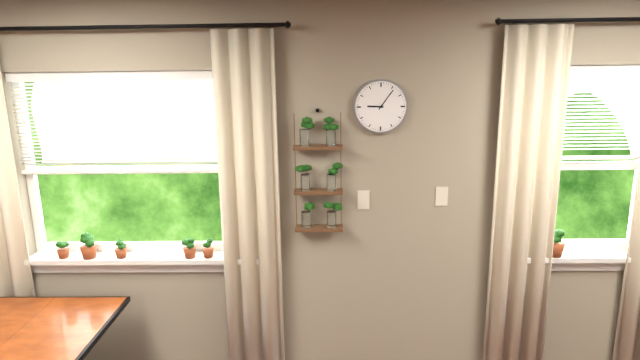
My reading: 9:06
